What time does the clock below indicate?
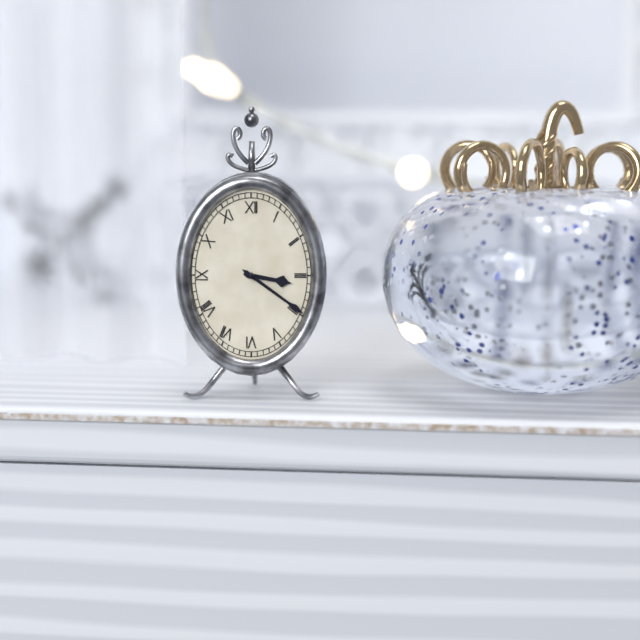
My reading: 3:21
